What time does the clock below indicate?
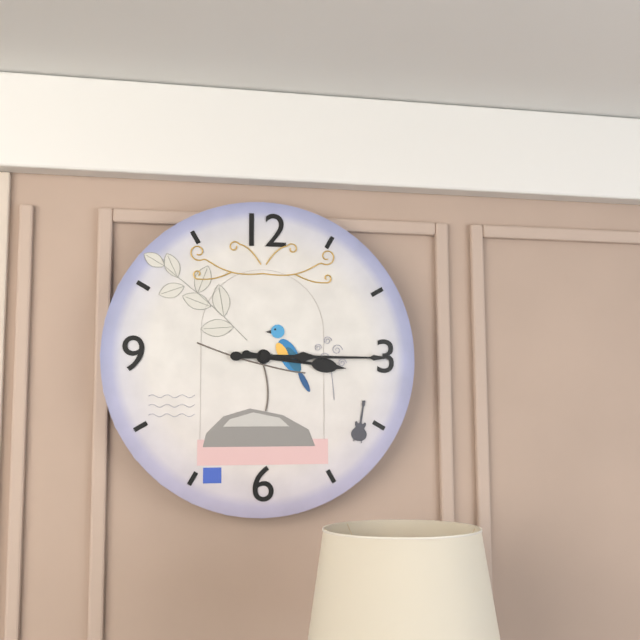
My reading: 3:15
